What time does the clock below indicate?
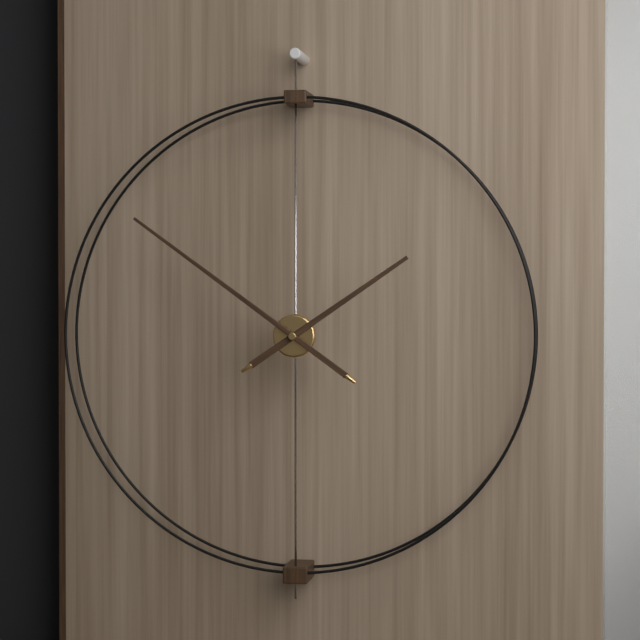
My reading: 1:51
